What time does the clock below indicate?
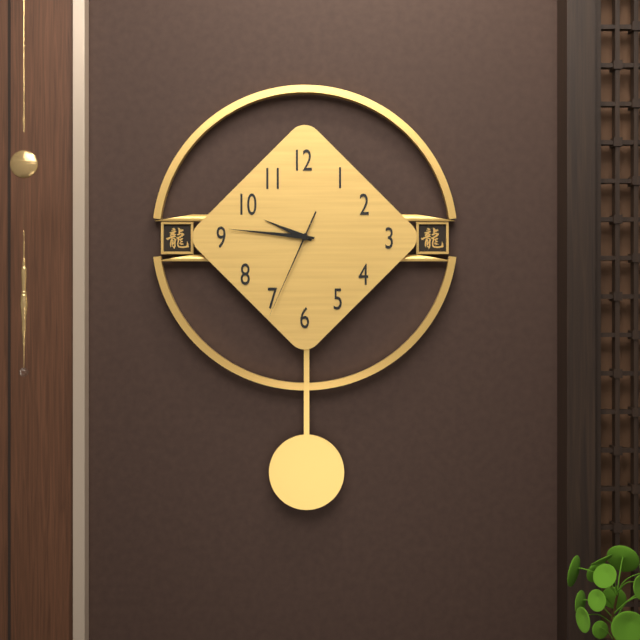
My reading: 9:46:34
